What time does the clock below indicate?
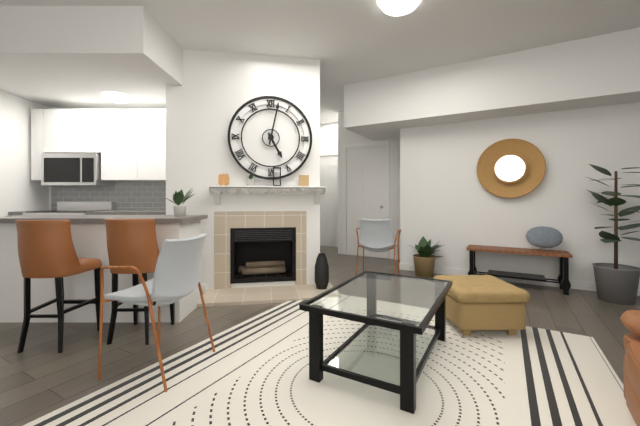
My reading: 5:02
